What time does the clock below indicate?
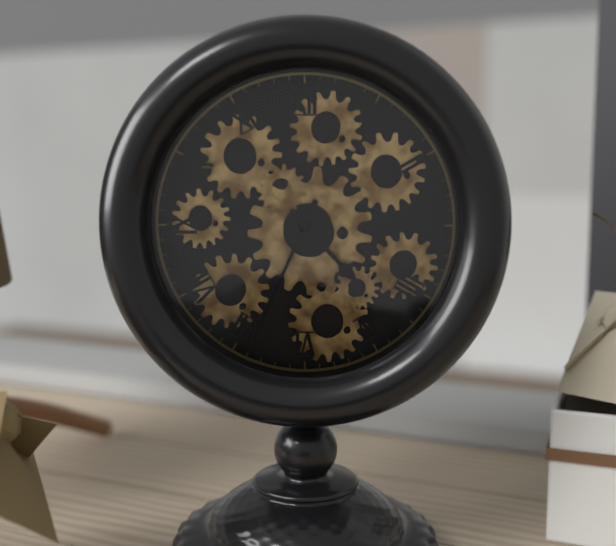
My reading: 4:34
